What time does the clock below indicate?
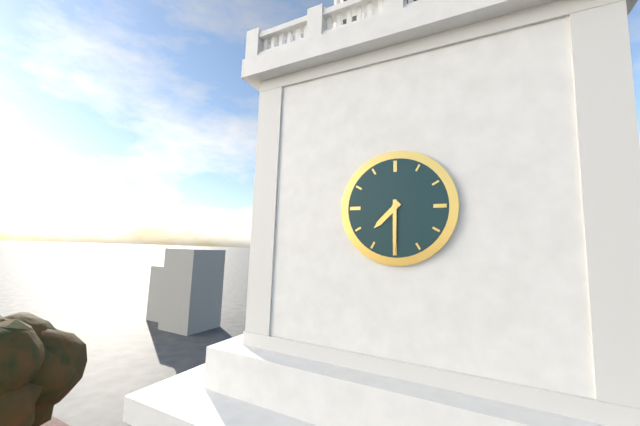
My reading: 7:30
